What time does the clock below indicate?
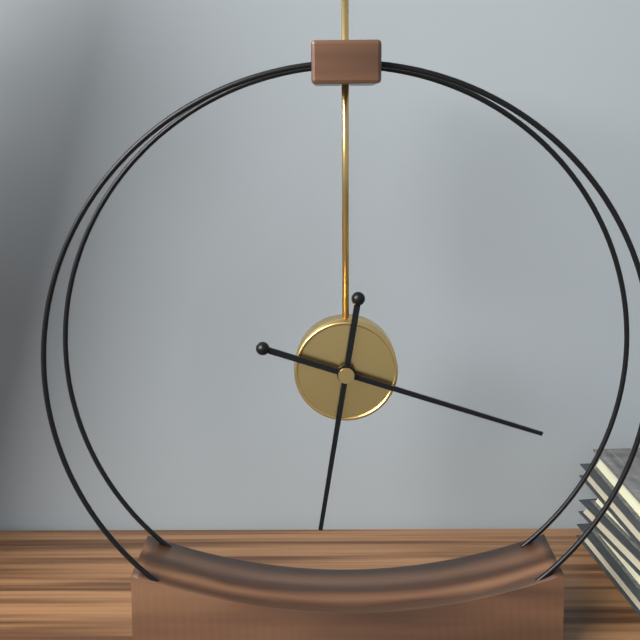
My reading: 6:18
